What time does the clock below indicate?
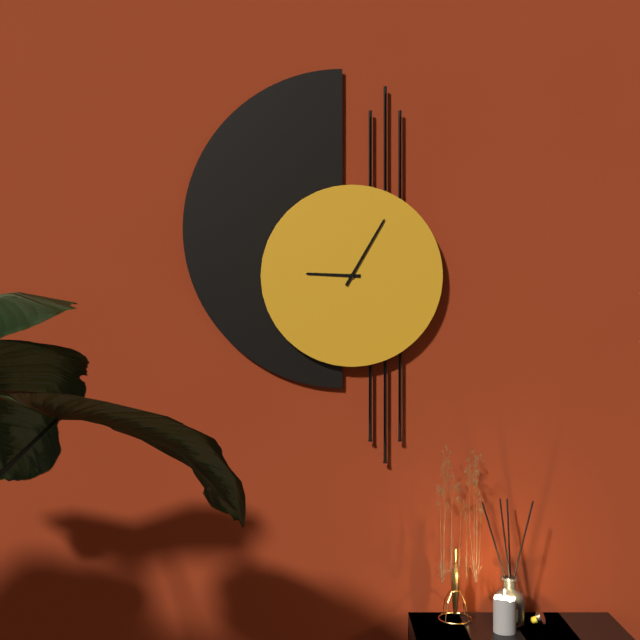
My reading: 9:05
